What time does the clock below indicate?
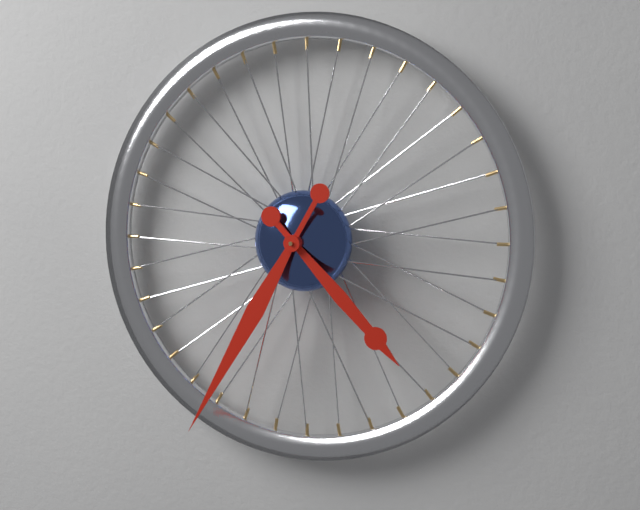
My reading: 4:35
